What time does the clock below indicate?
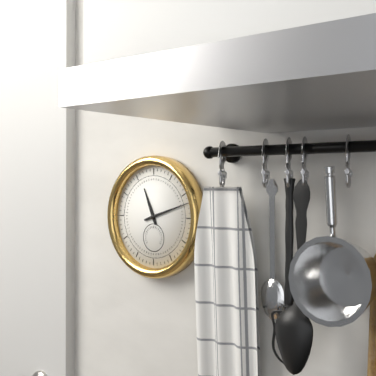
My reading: 11:12
